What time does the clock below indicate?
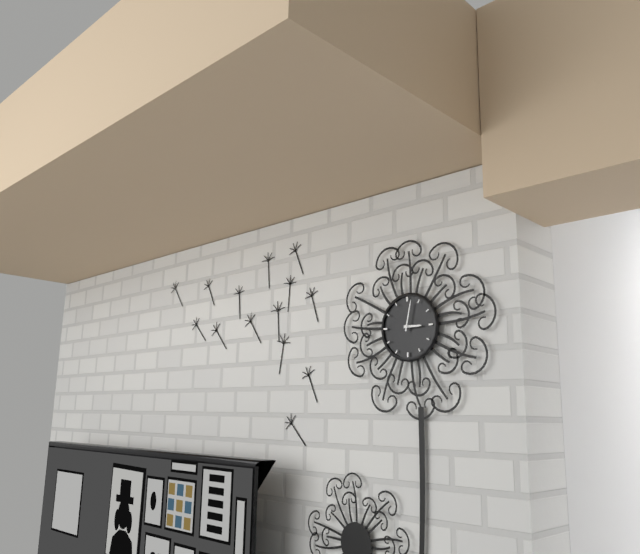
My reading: 3:02
